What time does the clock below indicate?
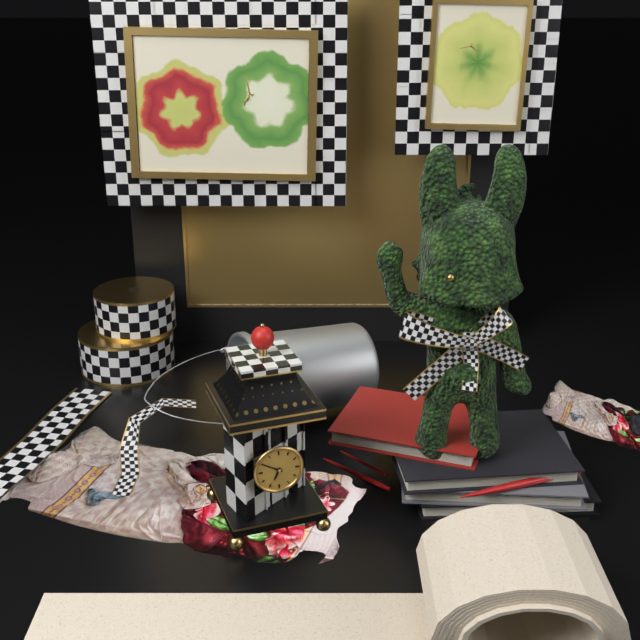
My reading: 6:50
